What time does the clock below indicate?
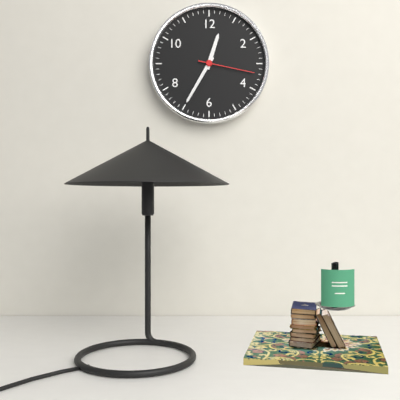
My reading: 12:35:17
